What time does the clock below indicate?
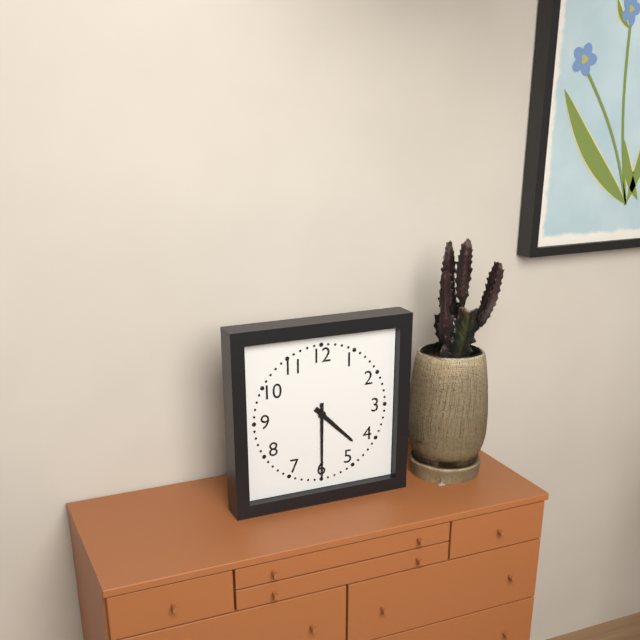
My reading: 4:30
